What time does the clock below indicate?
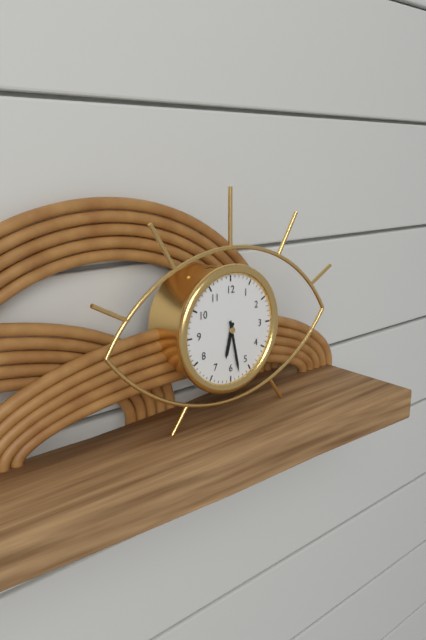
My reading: 6:28
